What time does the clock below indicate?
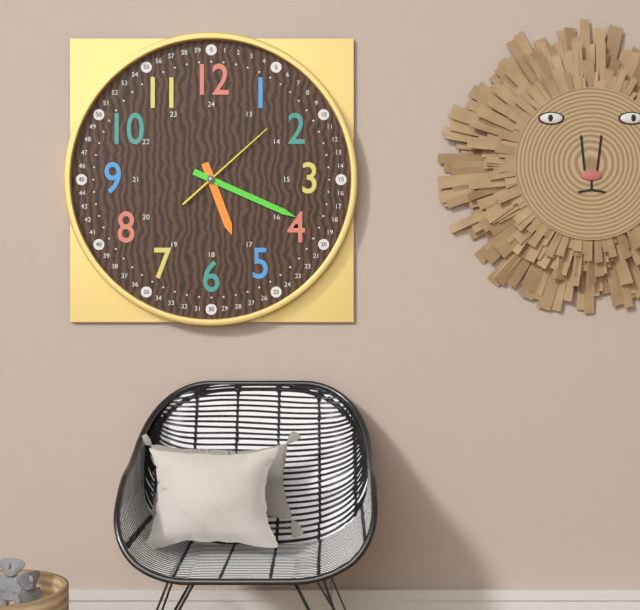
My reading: 5:19:08
